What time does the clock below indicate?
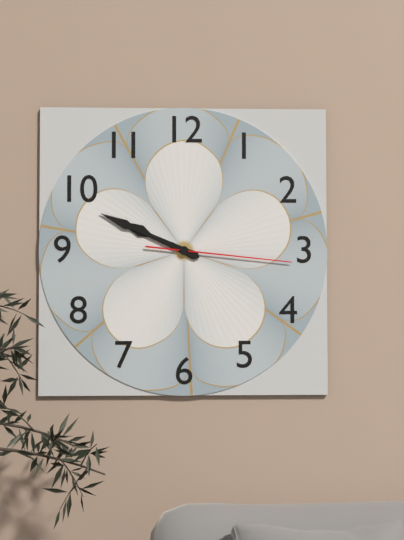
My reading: 9:49:16
